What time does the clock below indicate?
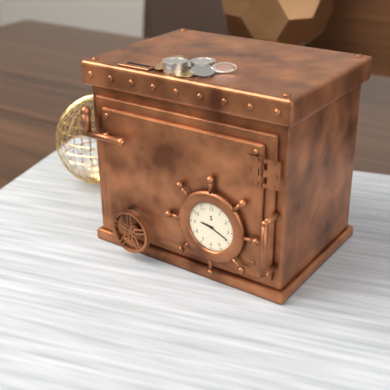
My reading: 9:19
